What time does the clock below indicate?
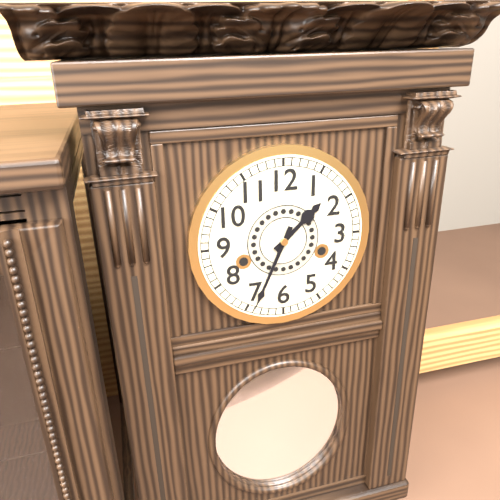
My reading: 1:34
